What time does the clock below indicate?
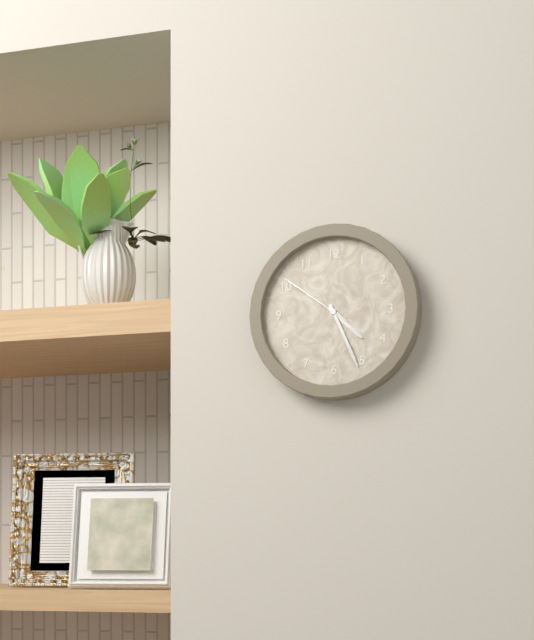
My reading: 4:26:51
